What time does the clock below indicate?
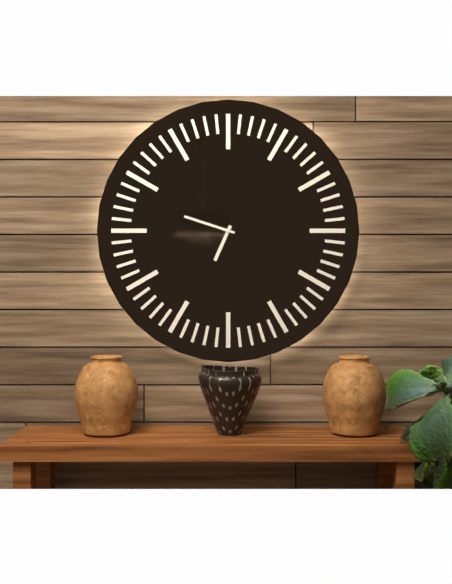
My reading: 6:48
